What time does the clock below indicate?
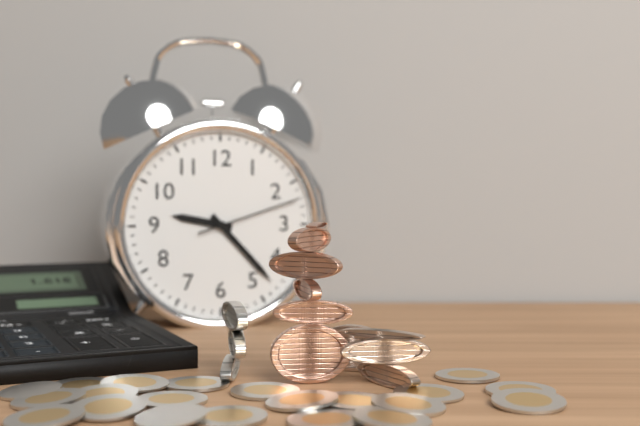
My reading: 9:23:12
